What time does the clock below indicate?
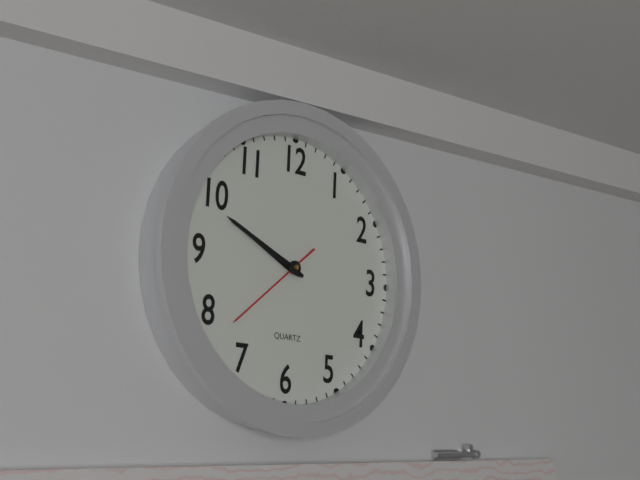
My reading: 9:49:38
